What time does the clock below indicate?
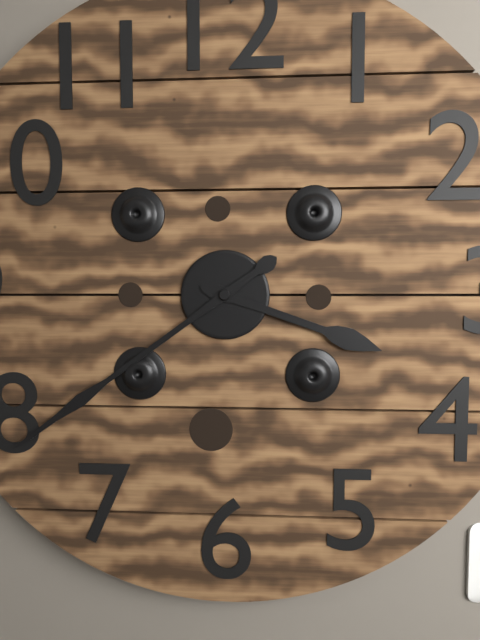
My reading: 3:39
